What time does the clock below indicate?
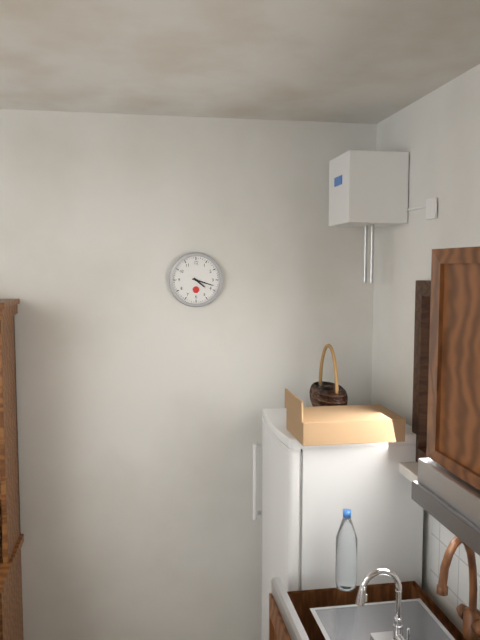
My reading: 4:18
